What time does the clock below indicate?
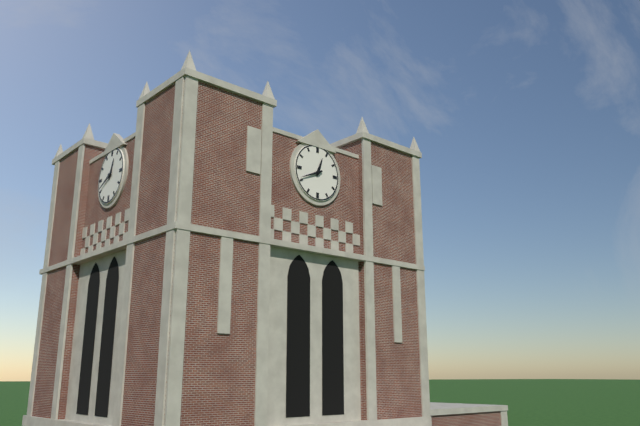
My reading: 12:41
